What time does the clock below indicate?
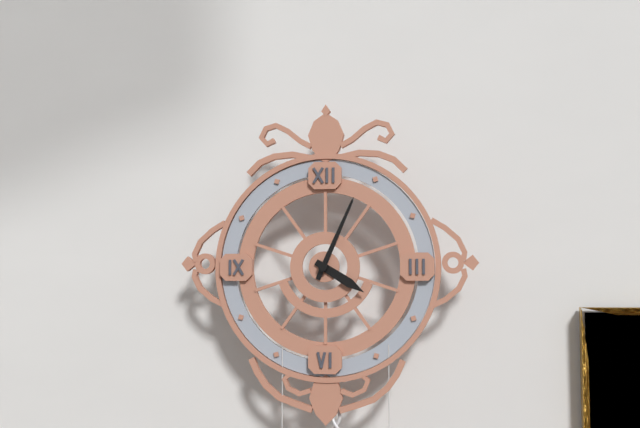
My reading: 4:04
